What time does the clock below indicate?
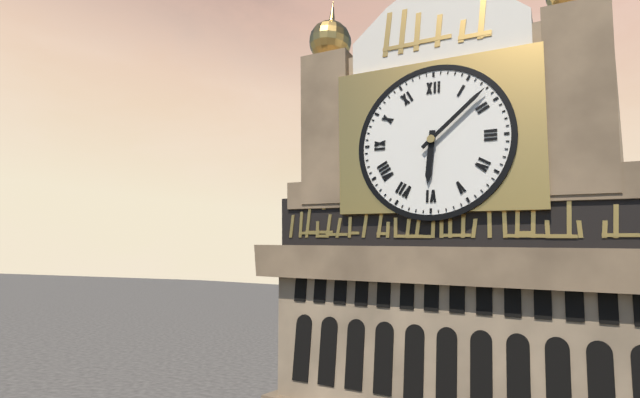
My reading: 6:08
